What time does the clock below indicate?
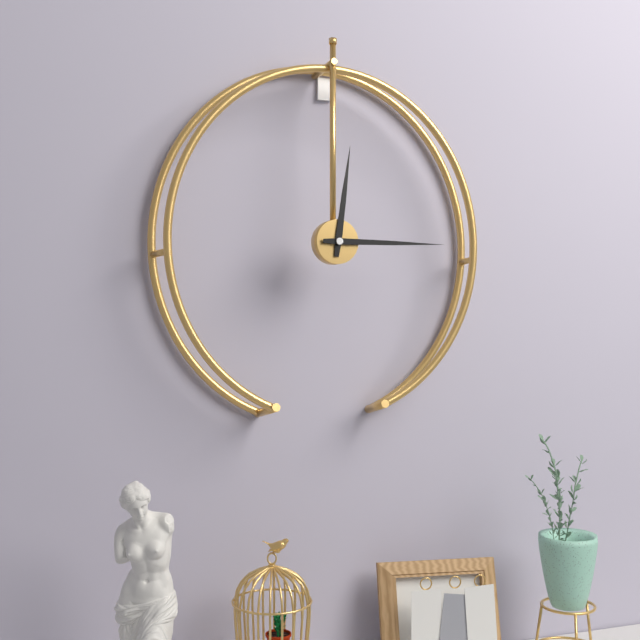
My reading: 12:15
